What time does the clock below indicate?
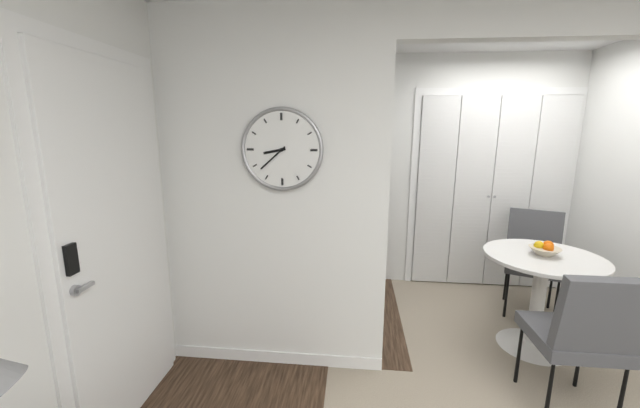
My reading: 8:38
